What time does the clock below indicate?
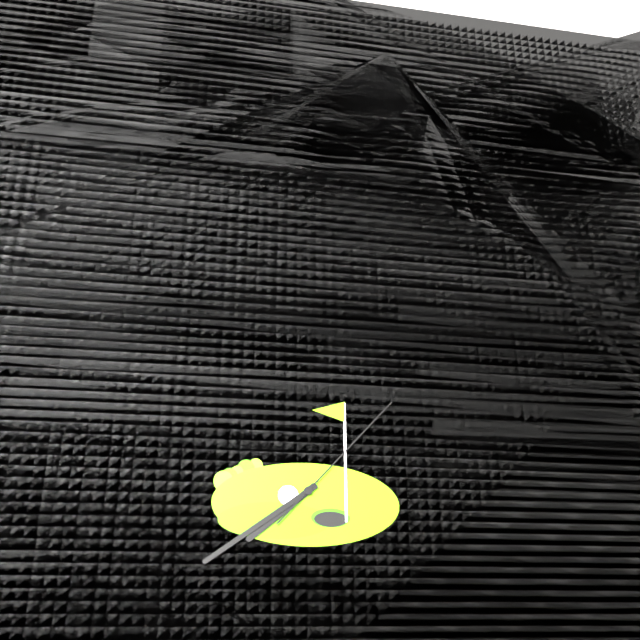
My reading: 7:39:07
